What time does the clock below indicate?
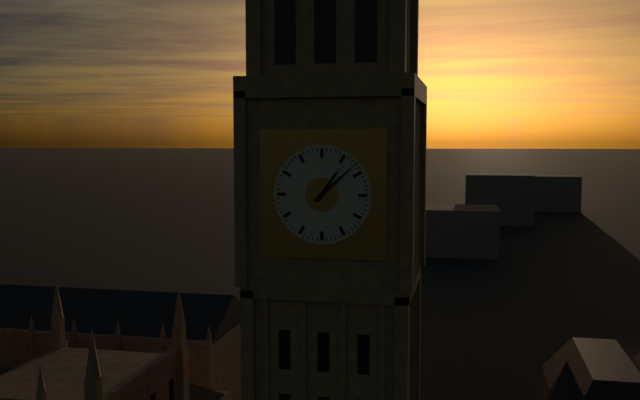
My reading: 1:08
